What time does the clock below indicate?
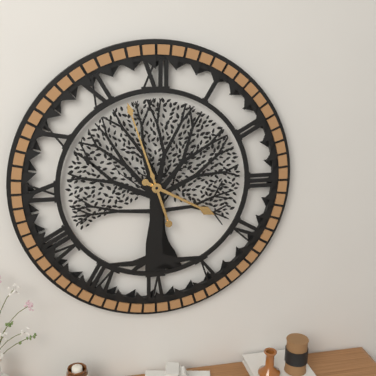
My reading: 3:57
